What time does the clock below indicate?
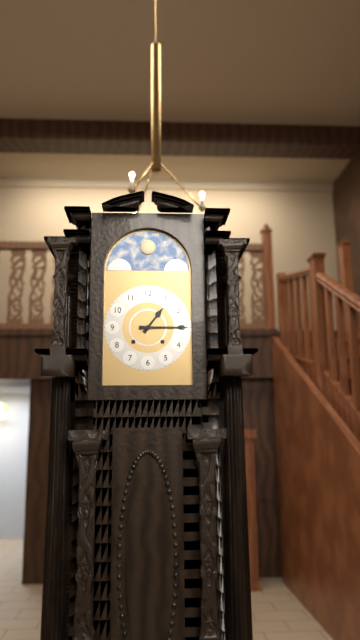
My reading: 1:15
